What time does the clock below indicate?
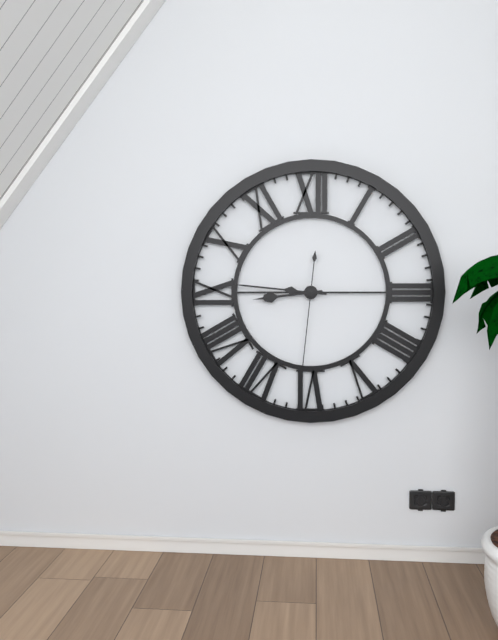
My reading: 8:46:31
